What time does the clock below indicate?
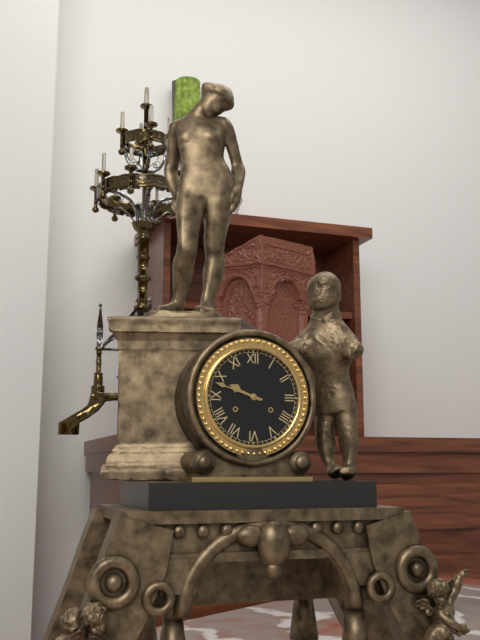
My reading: 9:48
